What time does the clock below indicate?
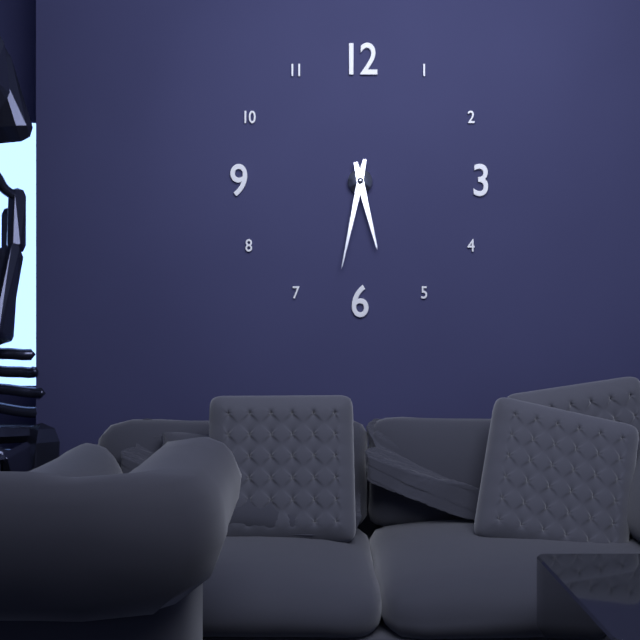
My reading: 5:32
